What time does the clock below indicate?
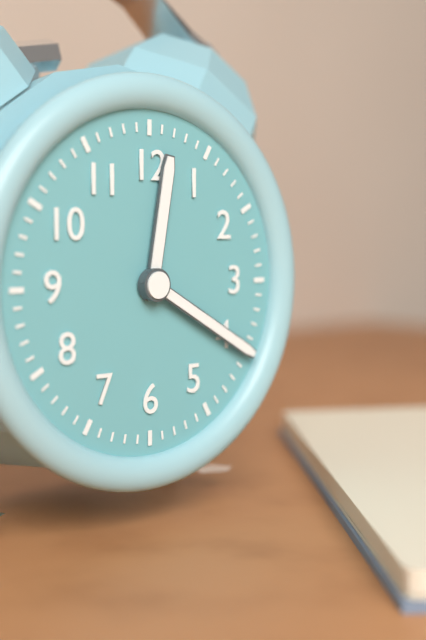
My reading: 12:20
